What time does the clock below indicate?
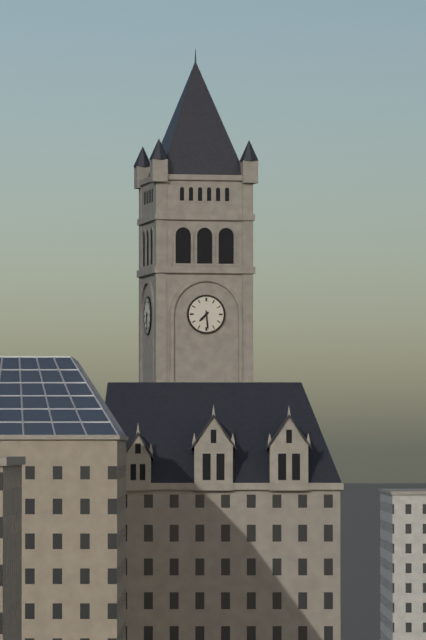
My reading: 7:29
